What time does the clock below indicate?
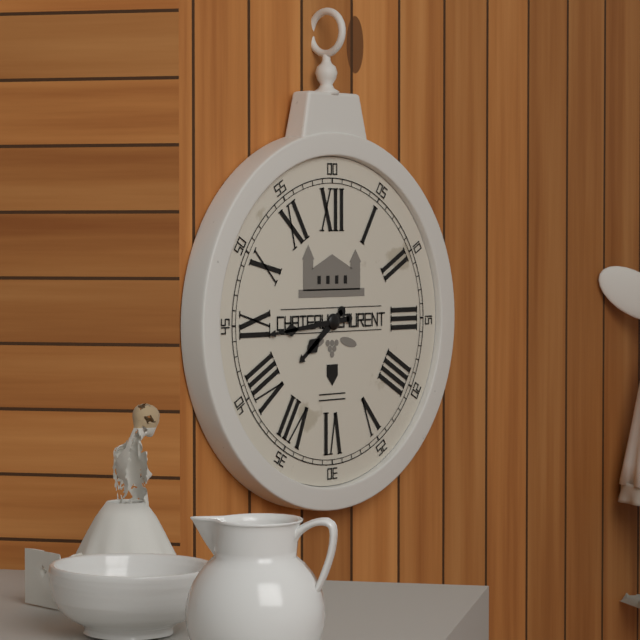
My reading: 7:44
